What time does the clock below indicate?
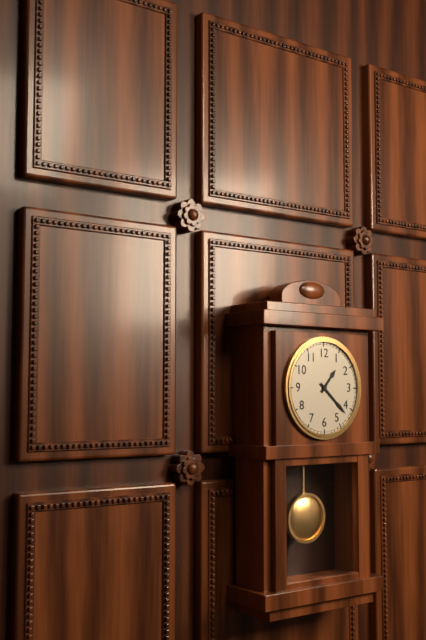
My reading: 1:22
